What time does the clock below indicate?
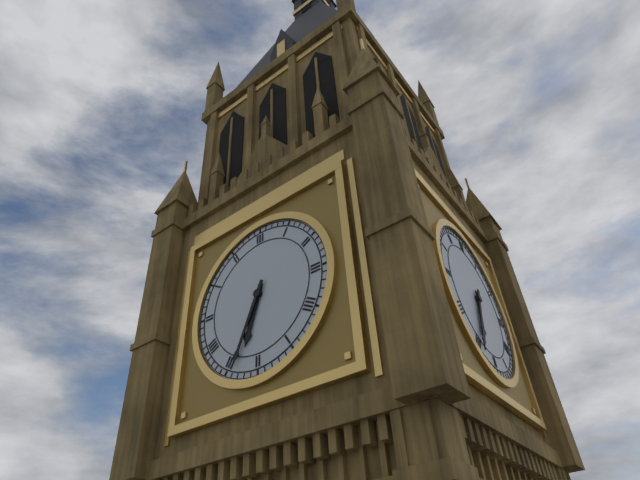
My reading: 6:34
